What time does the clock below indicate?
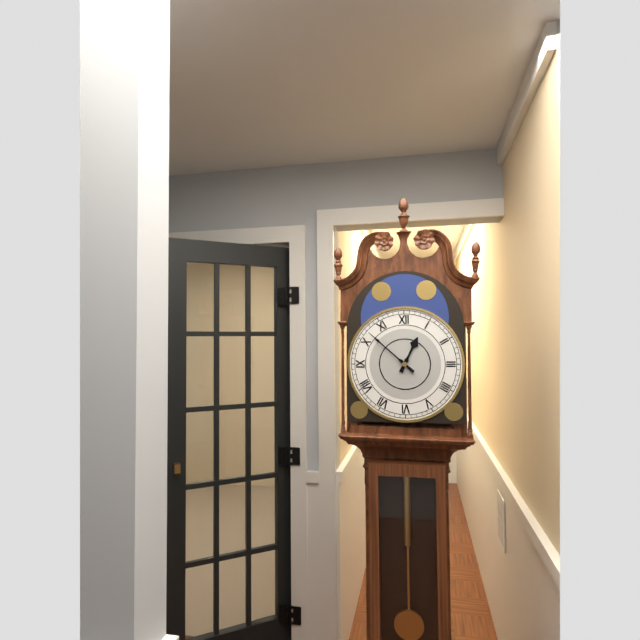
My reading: 12:52
